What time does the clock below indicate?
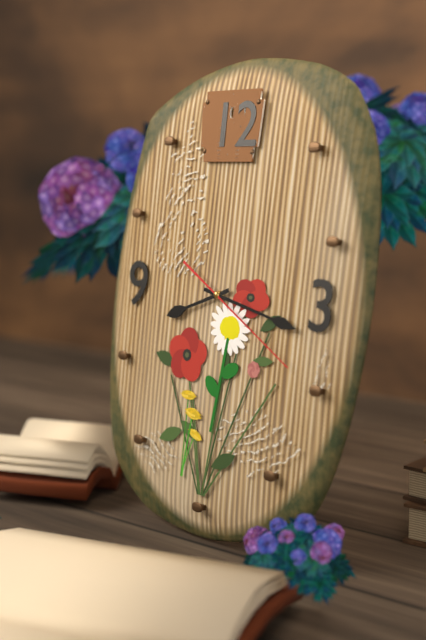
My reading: 8:17:20
